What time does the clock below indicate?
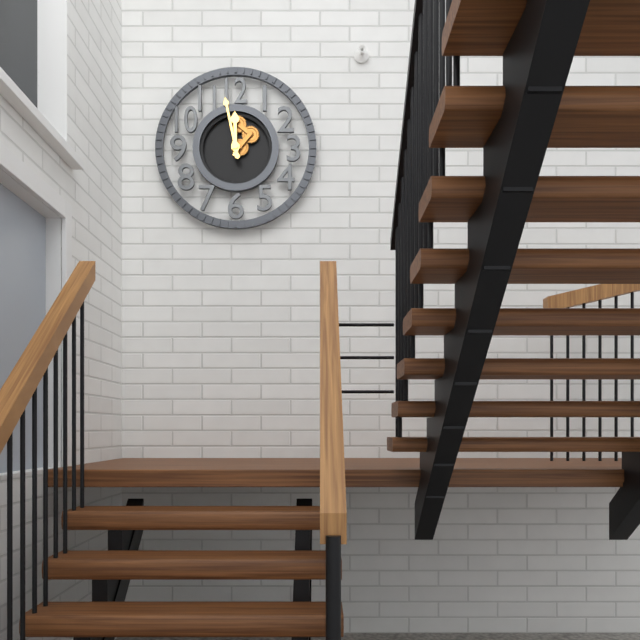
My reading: 11:58
